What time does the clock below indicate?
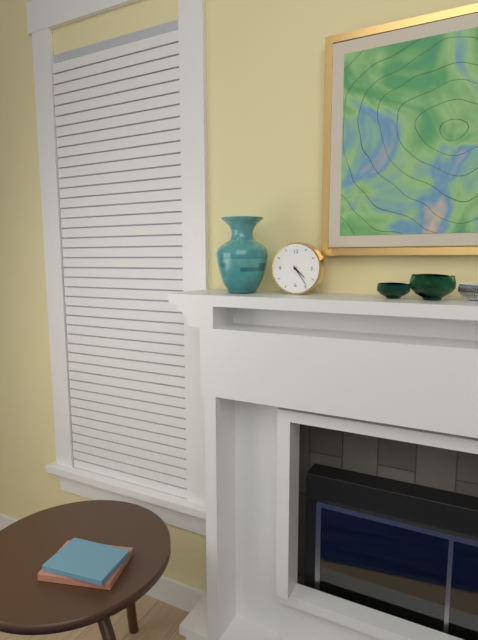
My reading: 4:24
